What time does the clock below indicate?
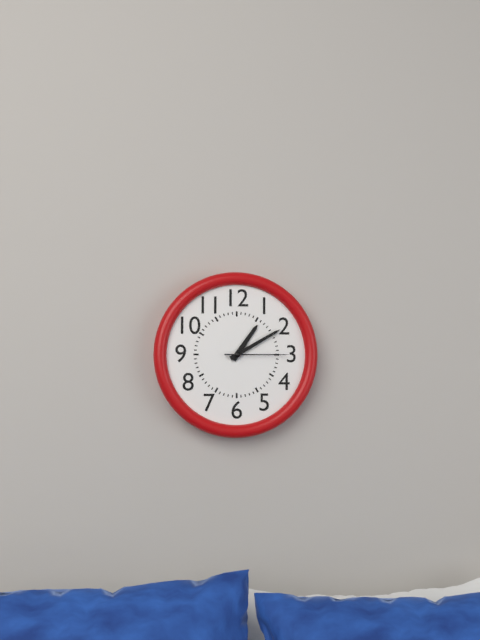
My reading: 1:10:15
